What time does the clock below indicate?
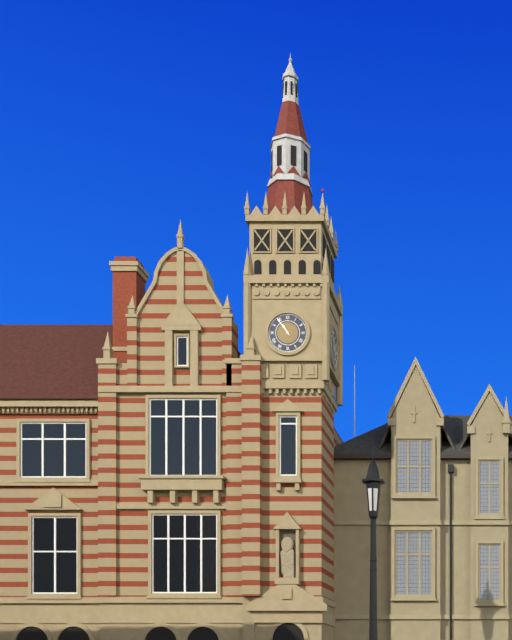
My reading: 10:54
